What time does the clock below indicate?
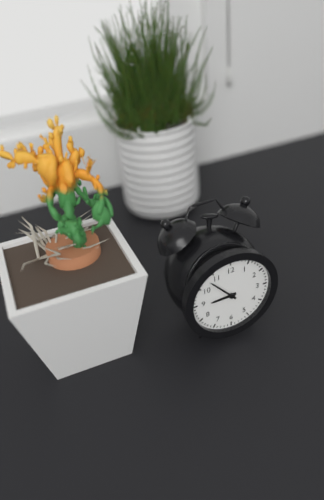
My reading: 8:53
